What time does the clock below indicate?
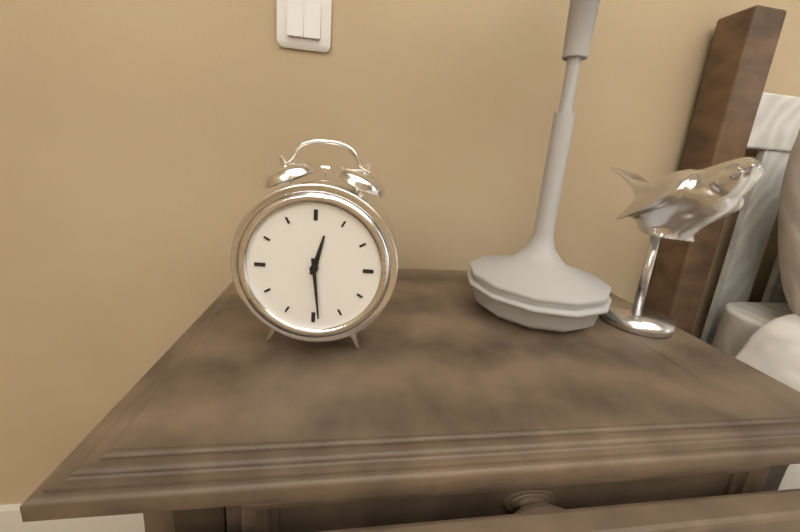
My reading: 12:29
